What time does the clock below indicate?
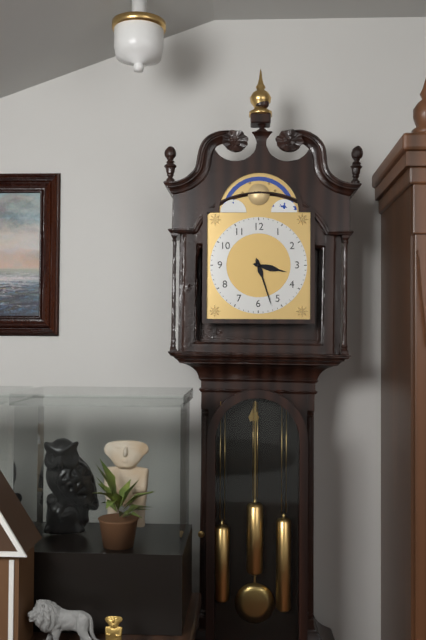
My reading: 3:27
